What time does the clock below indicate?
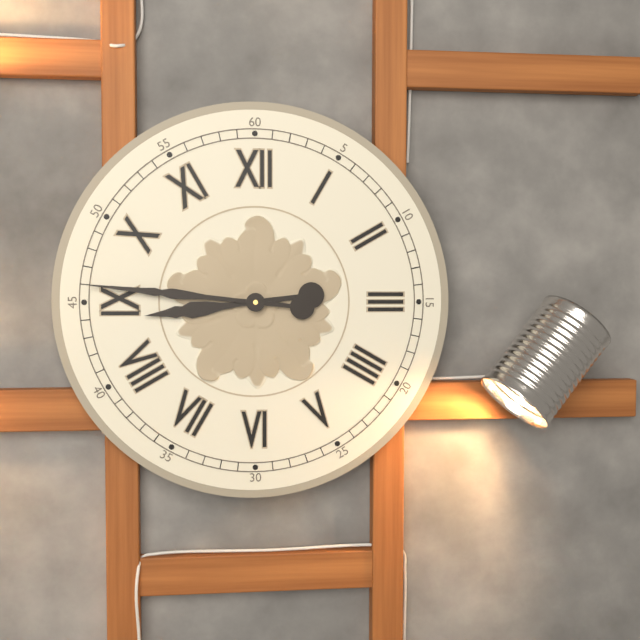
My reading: 8:46
